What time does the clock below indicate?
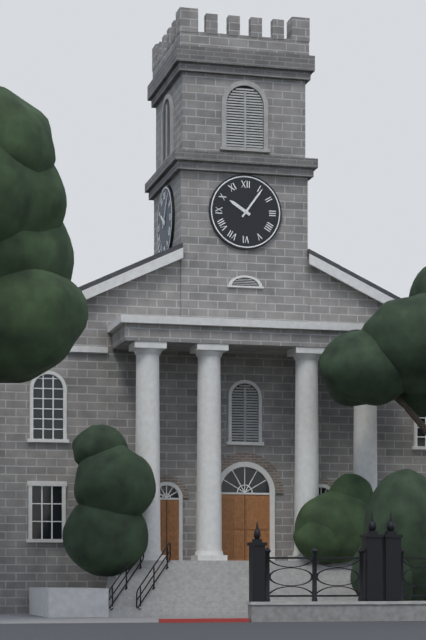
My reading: 10:06
